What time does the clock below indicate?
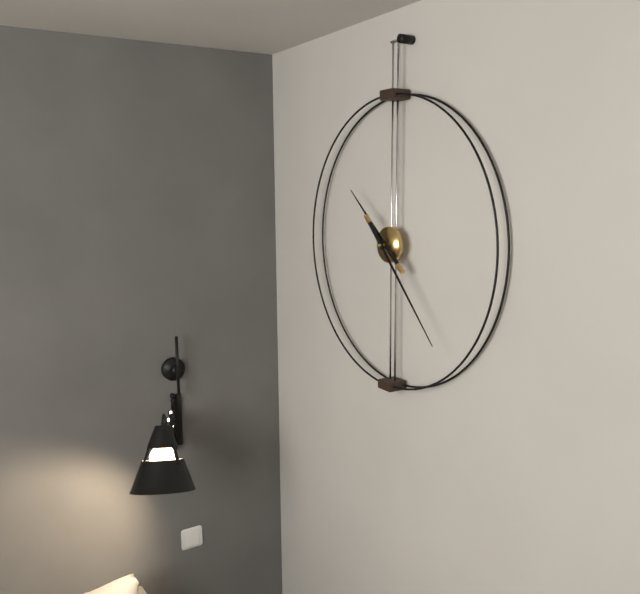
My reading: 10:23
